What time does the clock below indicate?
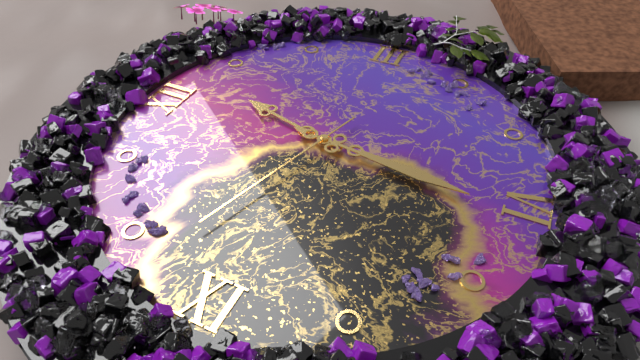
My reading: 12:31:48
